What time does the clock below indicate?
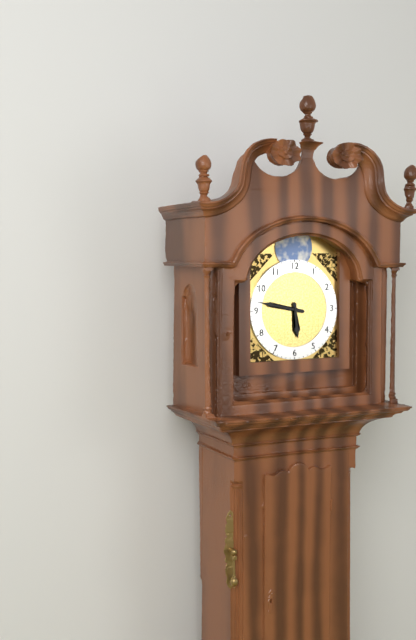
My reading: 5:47
